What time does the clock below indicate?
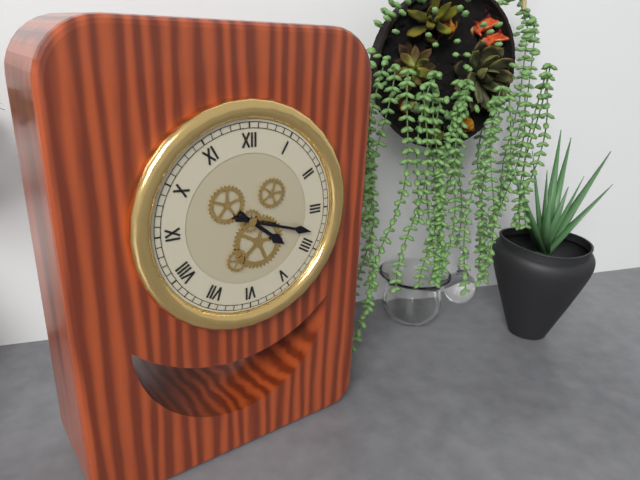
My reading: 4:18
